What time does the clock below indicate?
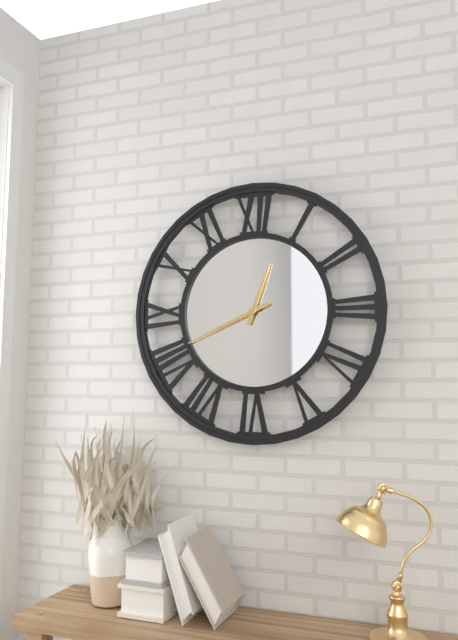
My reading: 12:41
